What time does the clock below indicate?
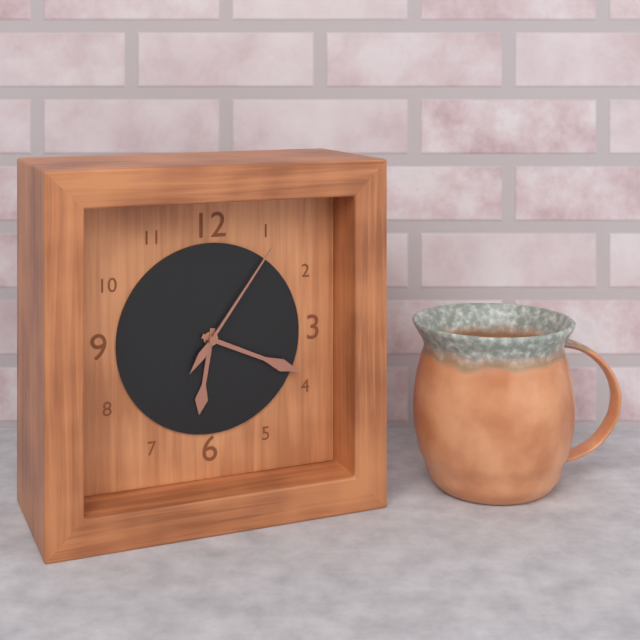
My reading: 6:19:06
